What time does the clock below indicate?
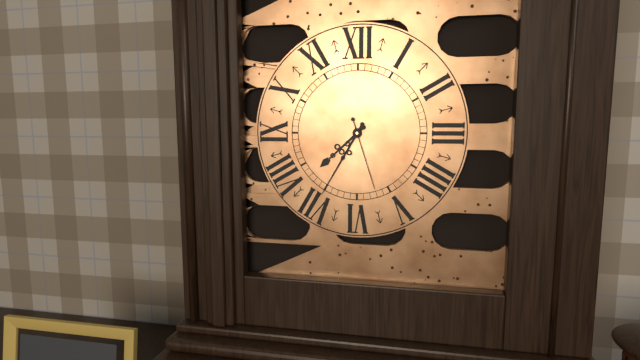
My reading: 7:35:27
